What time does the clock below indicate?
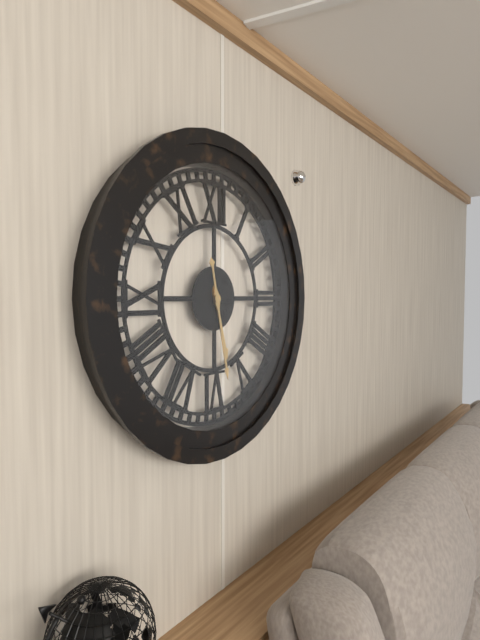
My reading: 5:28
